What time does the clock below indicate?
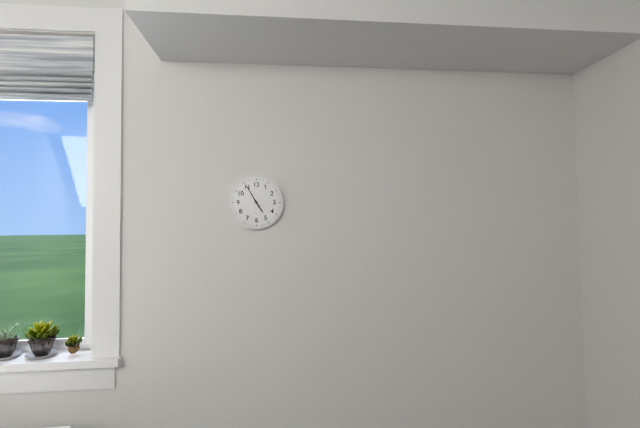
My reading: 4:55
